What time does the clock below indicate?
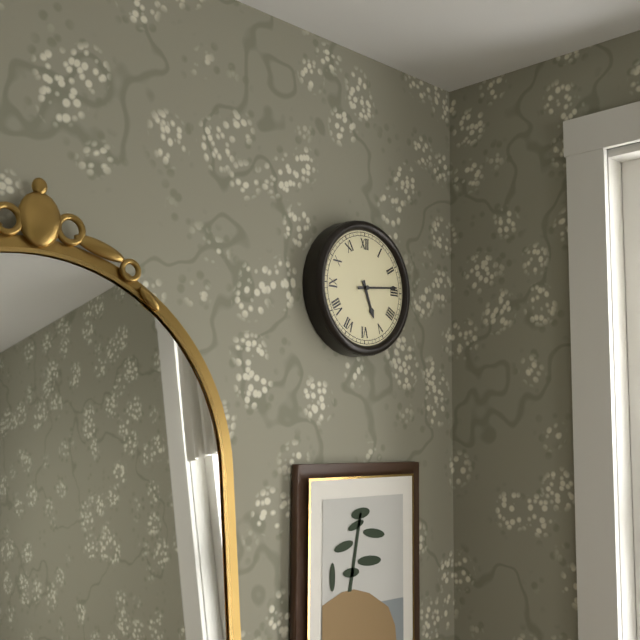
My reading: 5:14
